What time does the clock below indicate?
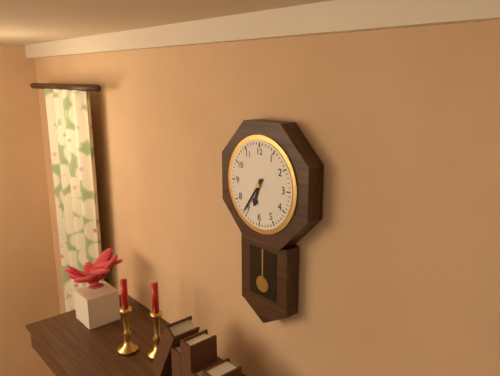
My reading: 6:36
